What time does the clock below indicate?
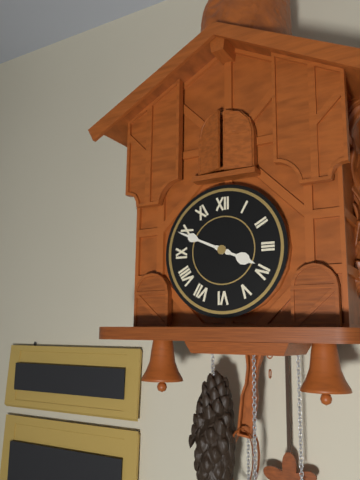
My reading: 3:49
